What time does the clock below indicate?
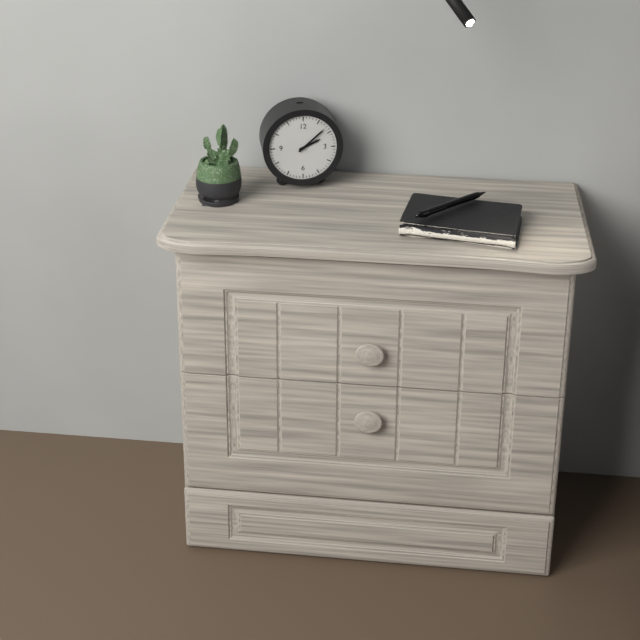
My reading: 2:08
